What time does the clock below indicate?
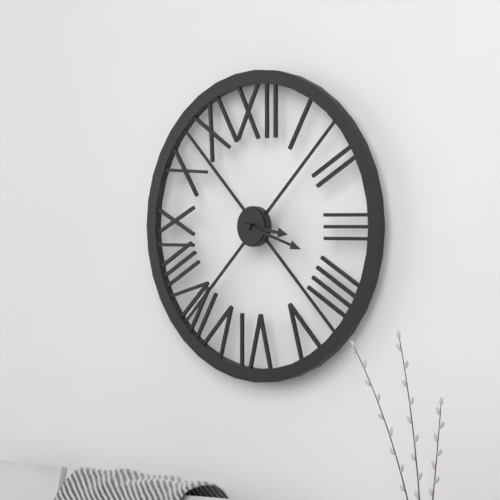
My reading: 3:18
